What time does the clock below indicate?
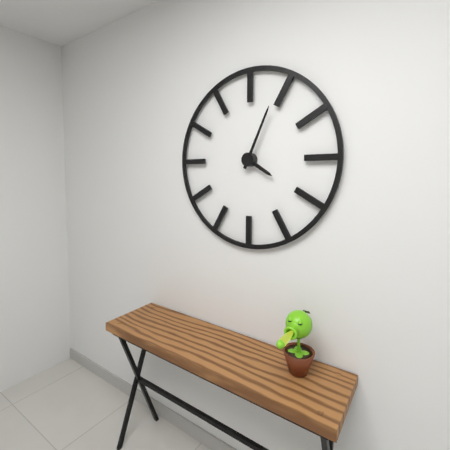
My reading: 4:04
